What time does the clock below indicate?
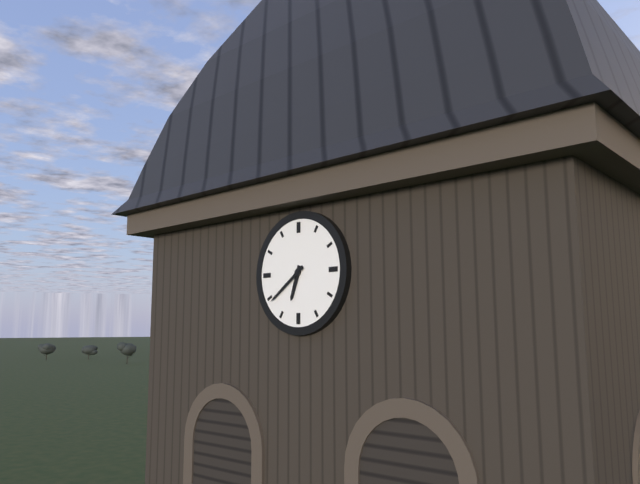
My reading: 6:39
